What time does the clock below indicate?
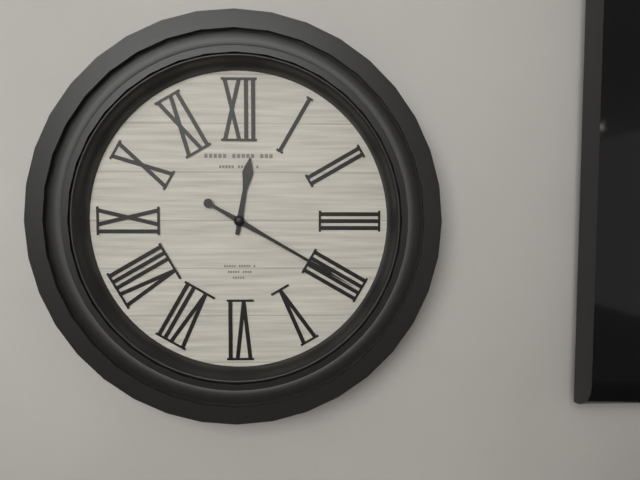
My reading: 12:20
